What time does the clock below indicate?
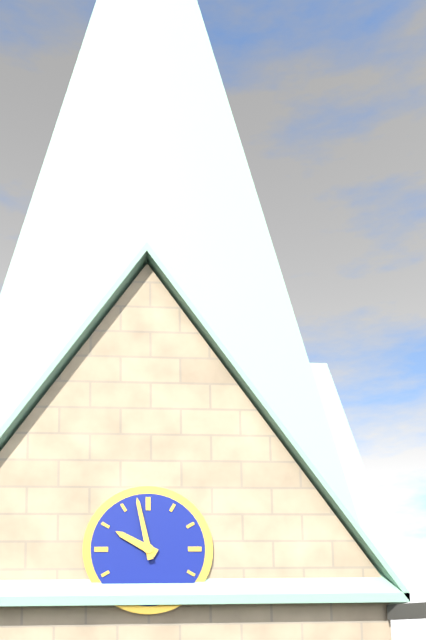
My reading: 9:58
